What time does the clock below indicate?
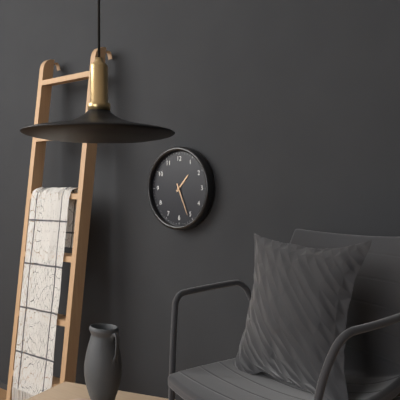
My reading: 1:26
